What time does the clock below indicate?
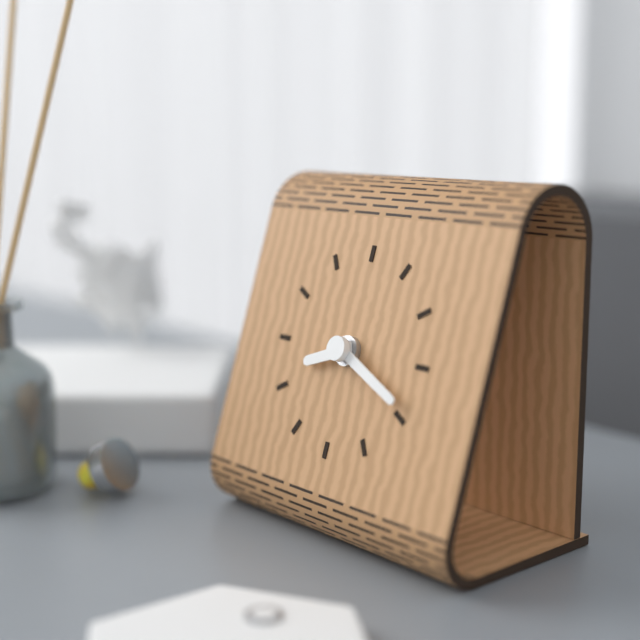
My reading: 8:19
